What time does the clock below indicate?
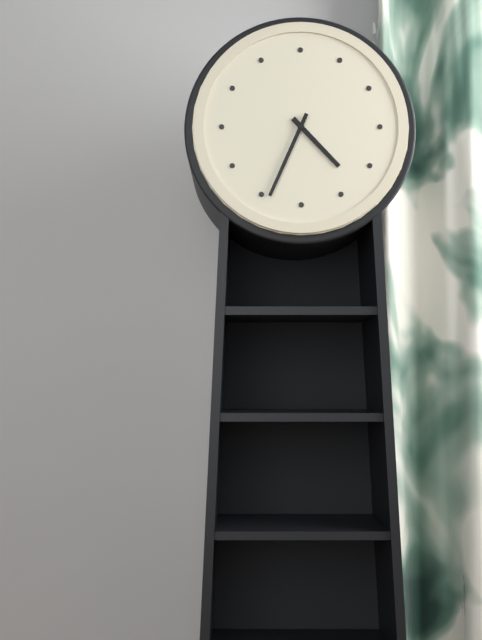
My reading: 4:34
